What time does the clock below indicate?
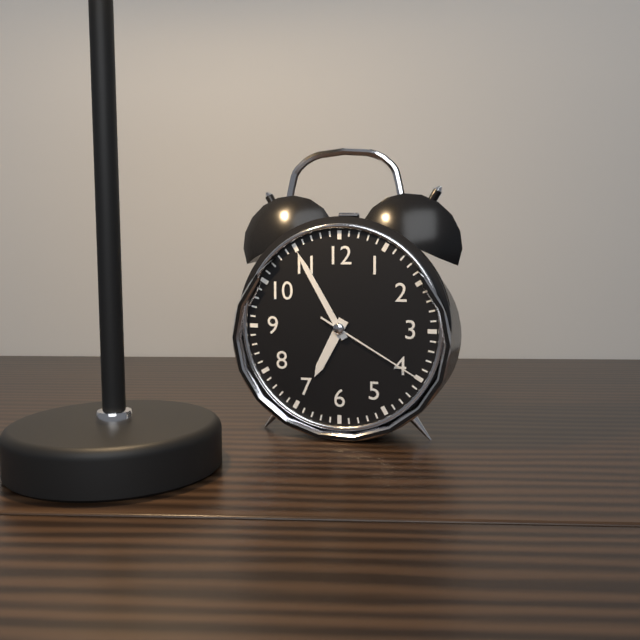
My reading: 6:55:20
